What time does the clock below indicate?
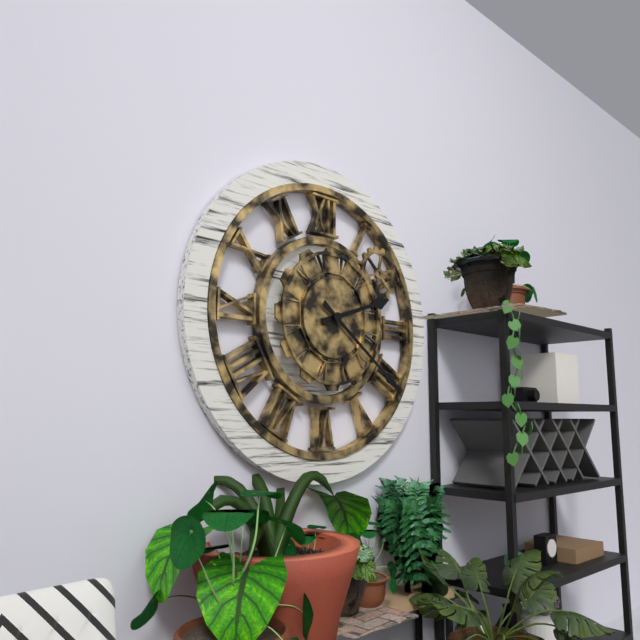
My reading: 2:21
